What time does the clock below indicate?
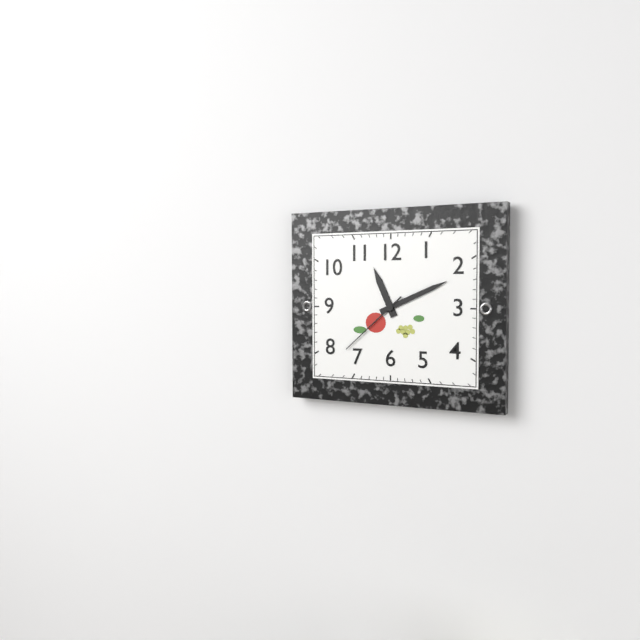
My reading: 11:11:38
